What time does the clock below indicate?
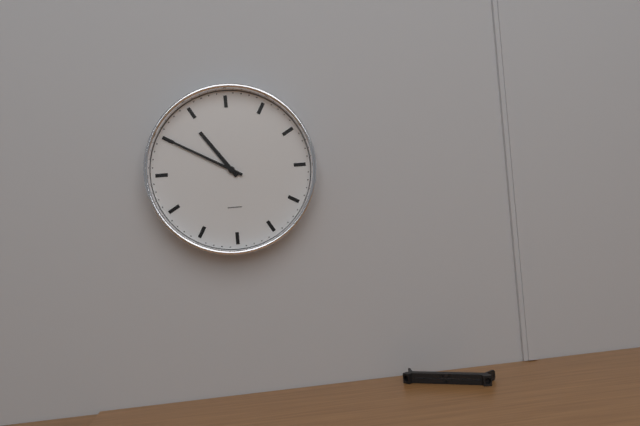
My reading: 10:50
